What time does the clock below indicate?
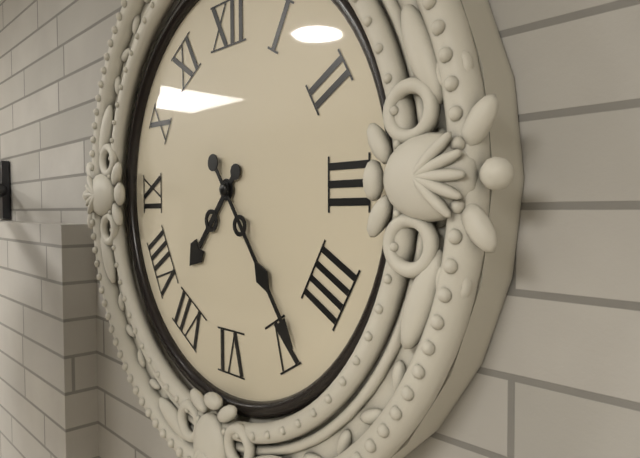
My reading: 7:24
